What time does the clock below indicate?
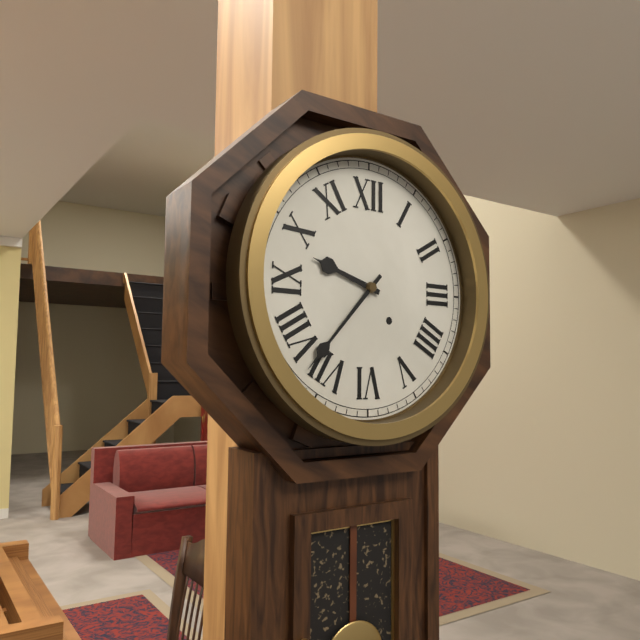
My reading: 9:37
